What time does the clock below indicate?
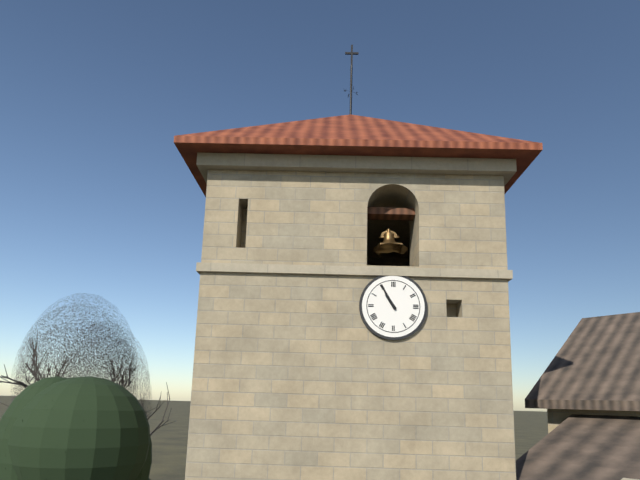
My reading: 10:55
